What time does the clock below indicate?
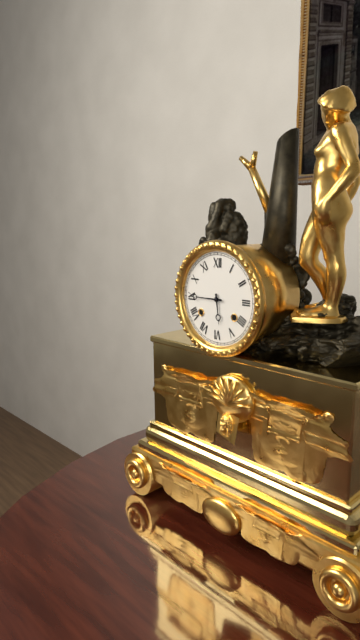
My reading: 5:45
